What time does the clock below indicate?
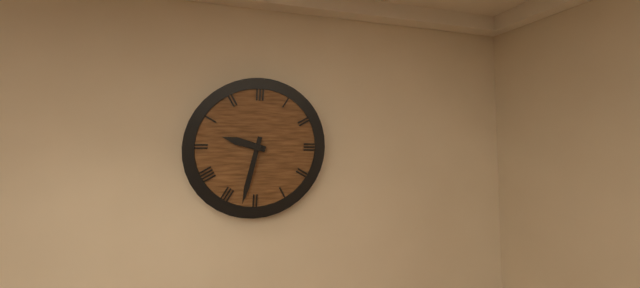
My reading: 9:32
